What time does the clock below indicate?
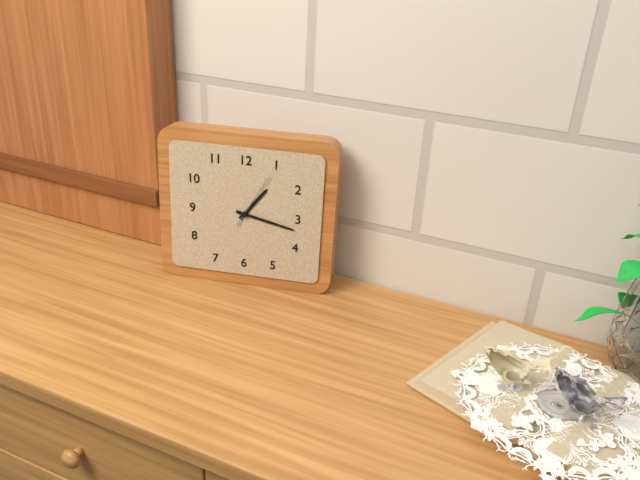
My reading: 1:17:05
